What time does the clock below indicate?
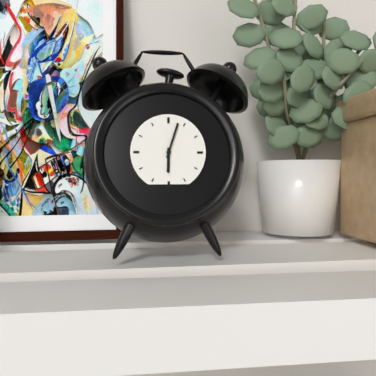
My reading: 6:03
